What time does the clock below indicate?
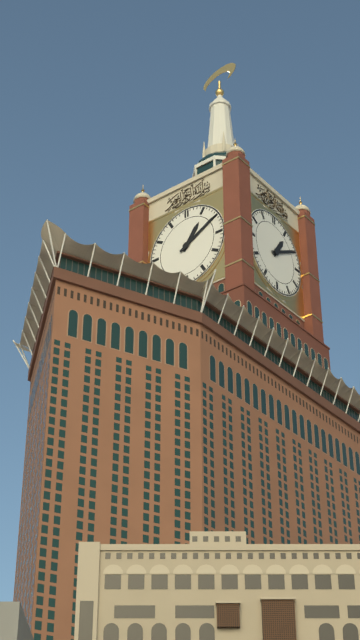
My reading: 1:10
